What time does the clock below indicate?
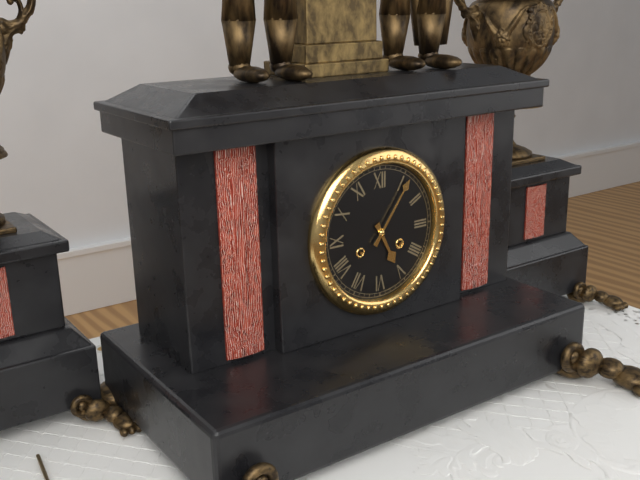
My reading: 5:06
